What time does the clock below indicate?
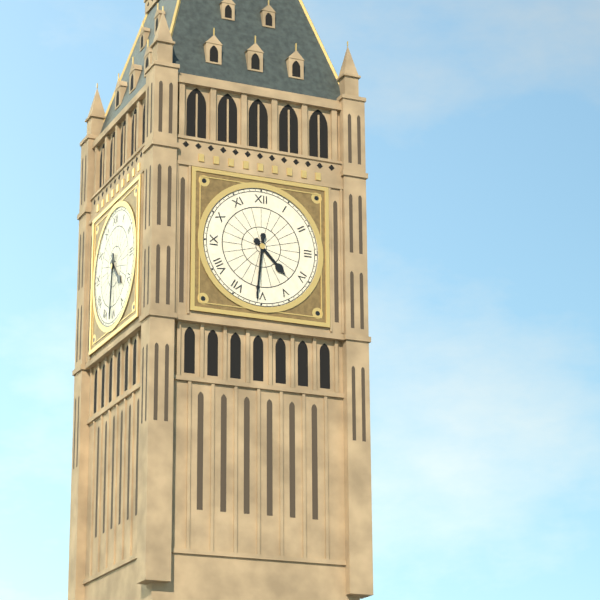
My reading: 4:31
